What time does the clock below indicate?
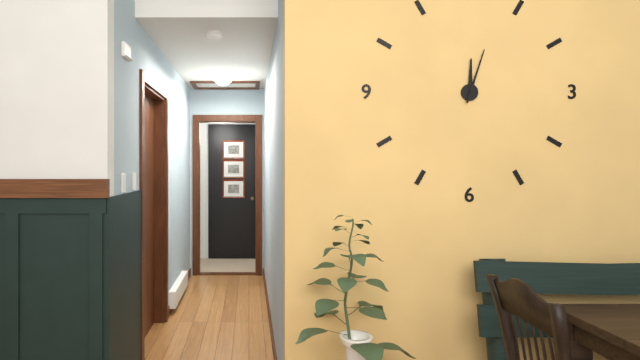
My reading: 12:03
